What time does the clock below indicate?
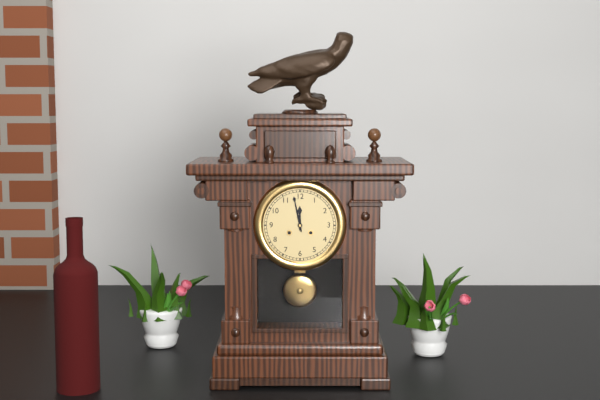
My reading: 11:58
